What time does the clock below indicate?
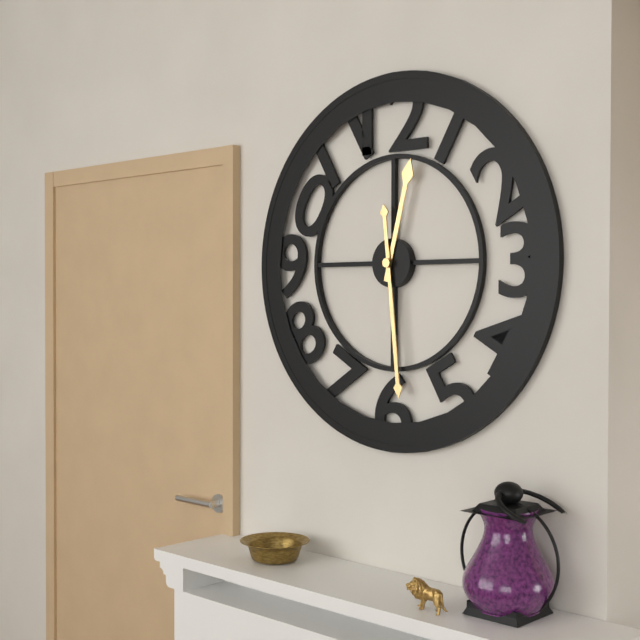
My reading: 12:29
